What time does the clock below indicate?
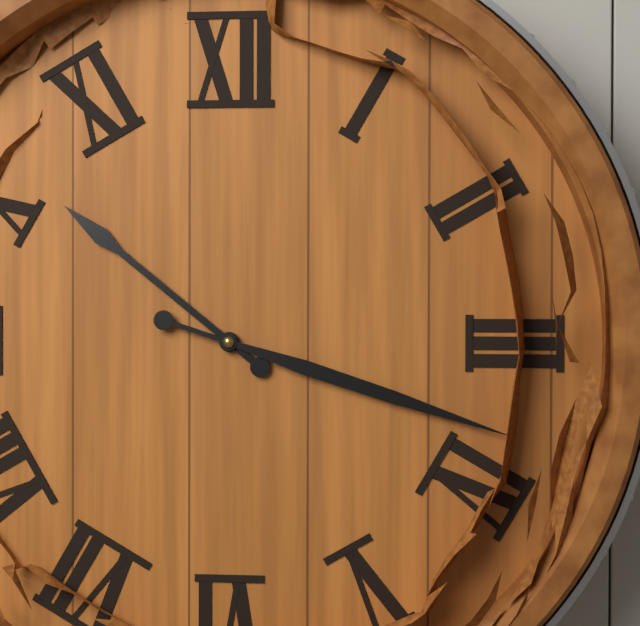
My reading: 10:18
